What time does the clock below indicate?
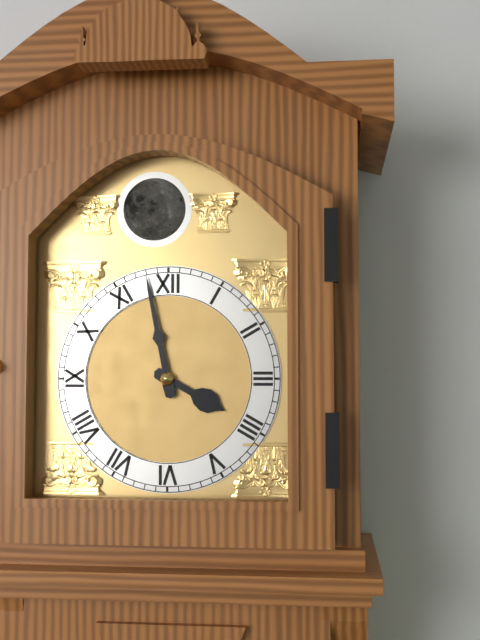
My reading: 3:58
